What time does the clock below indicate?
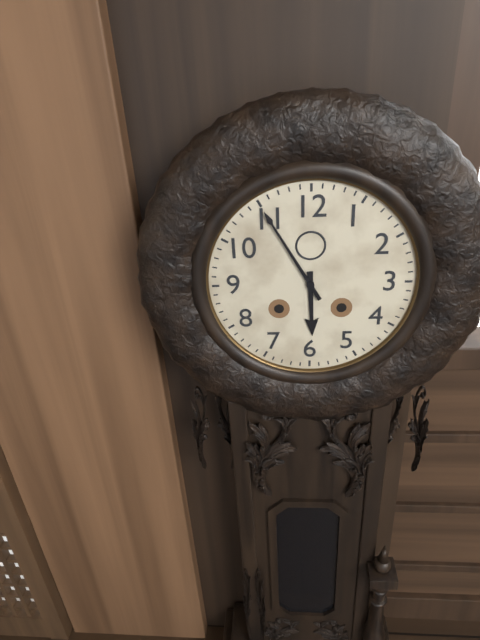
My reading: 5:55
